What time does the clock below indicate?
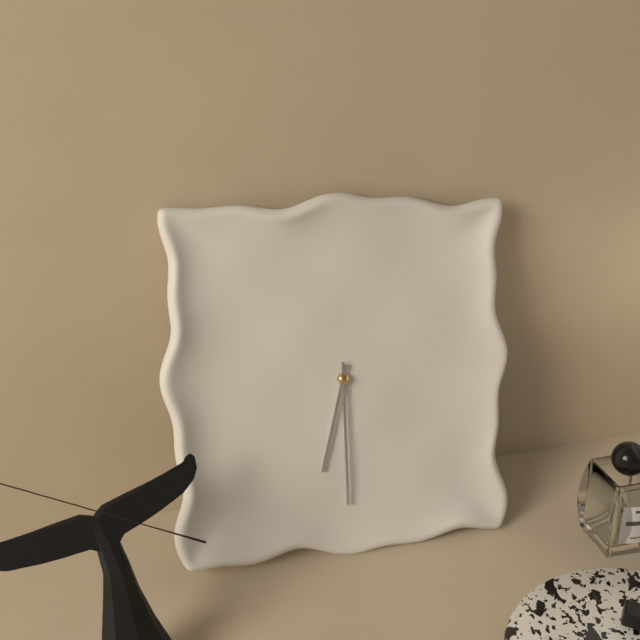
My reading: 6:30
